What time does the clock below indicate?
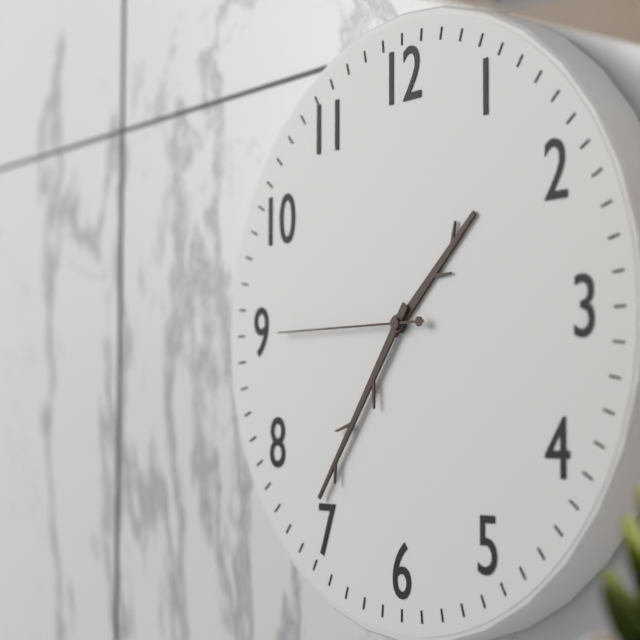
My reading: 1:36:45
